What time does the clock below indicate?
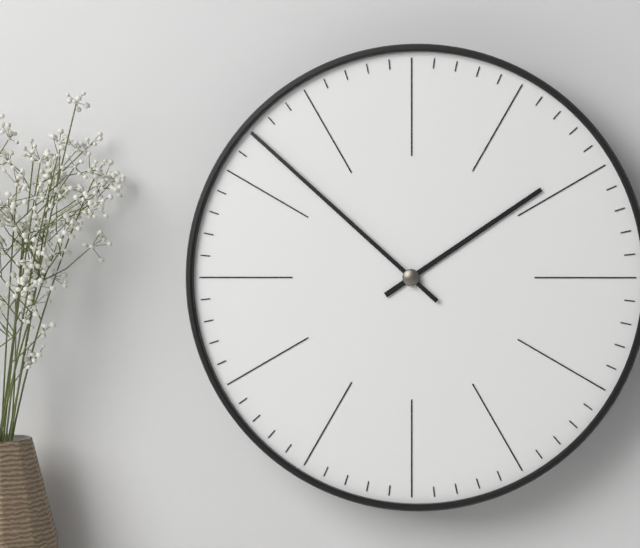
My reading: 1:52
